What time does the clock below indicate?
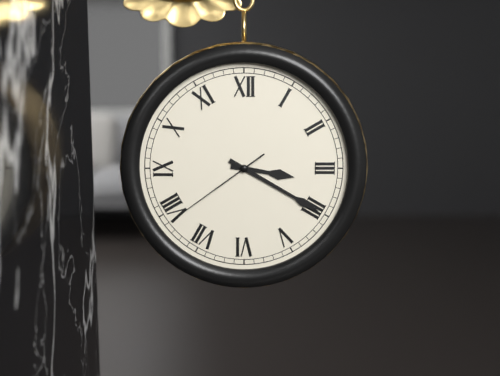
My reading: 3:20:39
